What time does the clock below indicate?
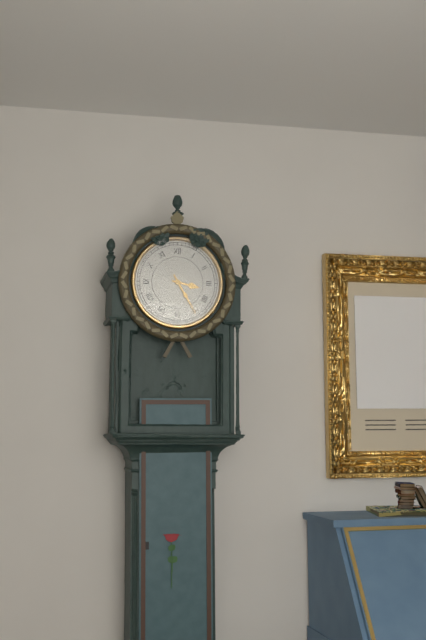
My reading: 3:25
